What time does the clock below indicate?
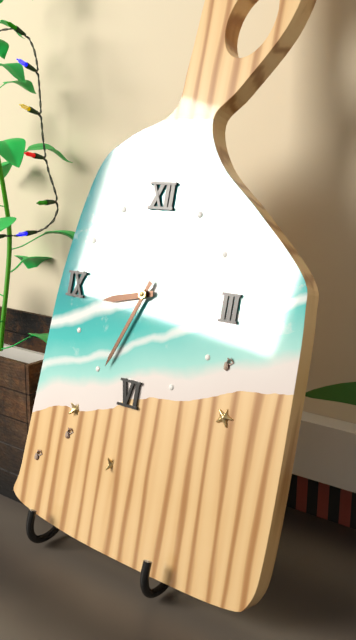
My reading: 8:34
